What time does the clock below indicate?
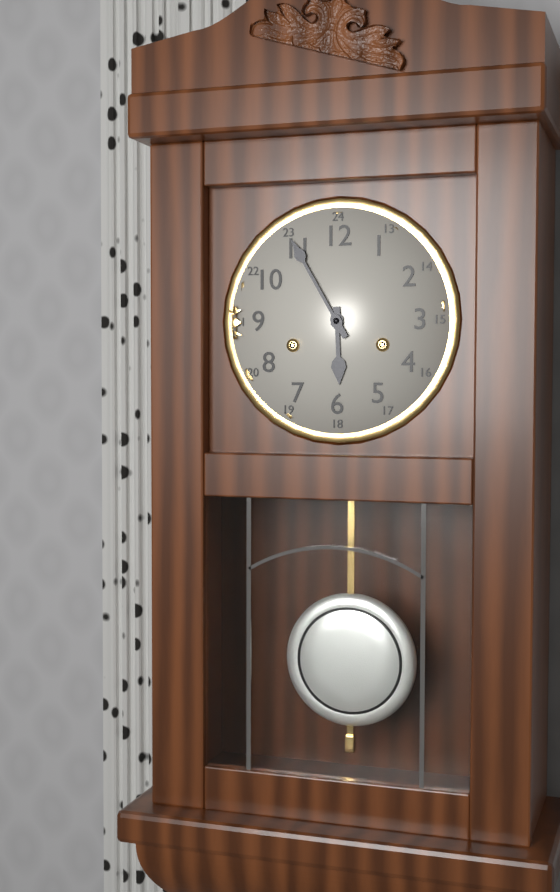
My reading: 5:55
